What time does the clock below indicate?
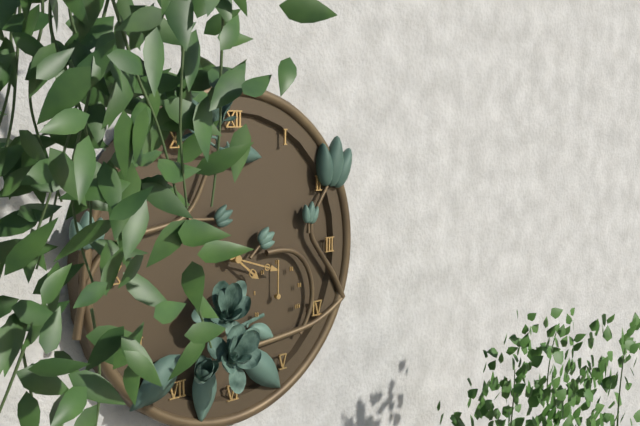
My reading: 4:18
